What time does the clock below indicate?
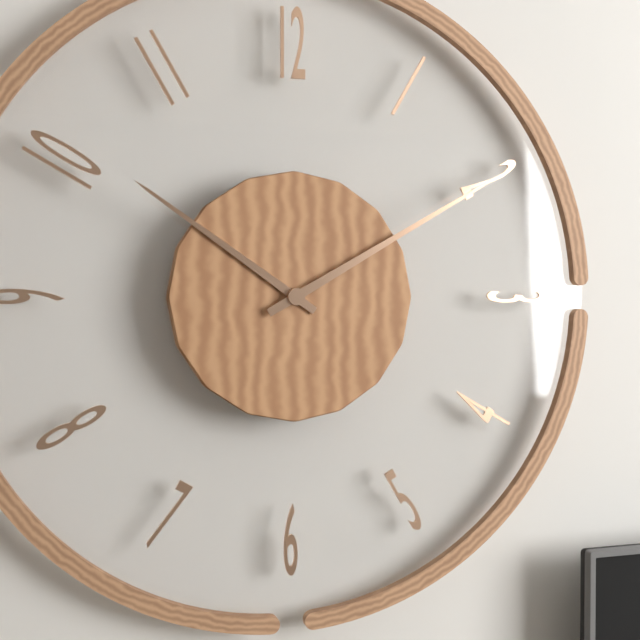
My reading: 10:10
